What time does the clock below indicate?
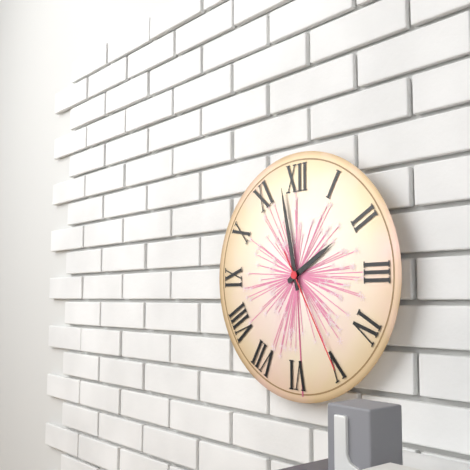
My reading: 1:58:25
